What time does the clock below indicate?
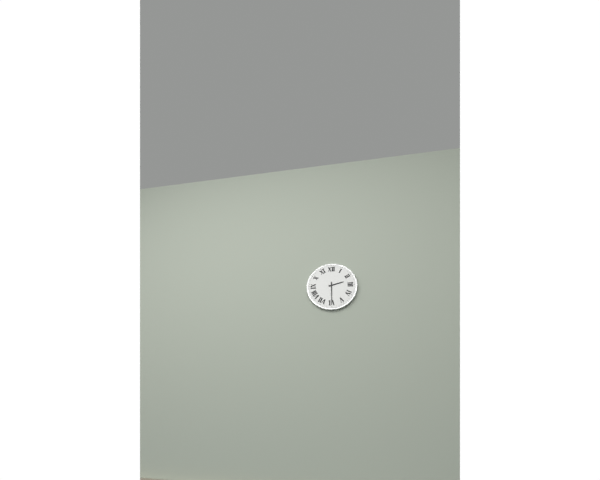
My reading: 2:30
